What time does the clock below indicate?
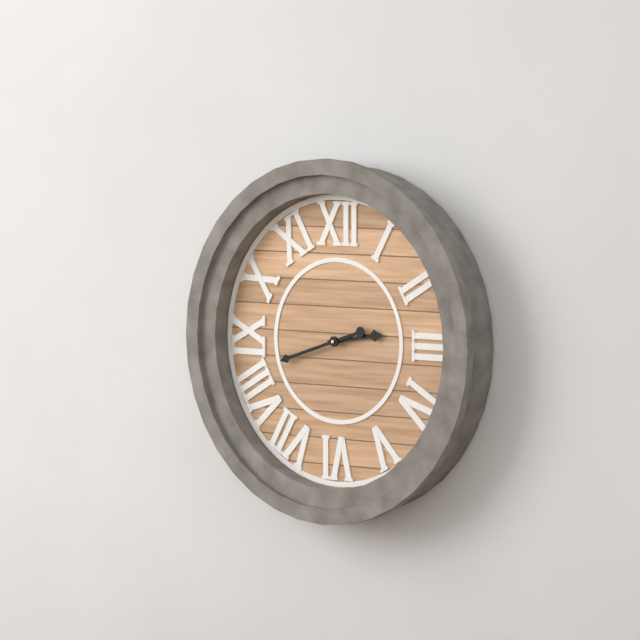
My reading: 2:42
